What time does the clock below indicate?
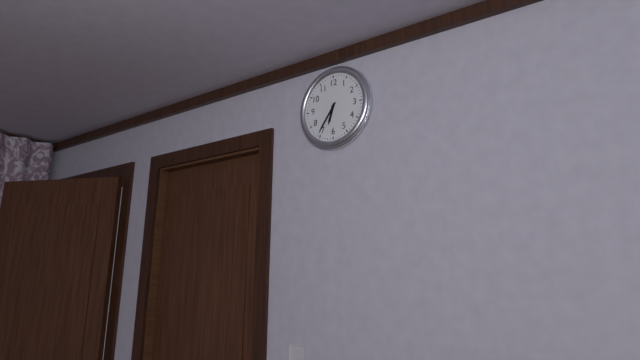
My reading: 6:36
